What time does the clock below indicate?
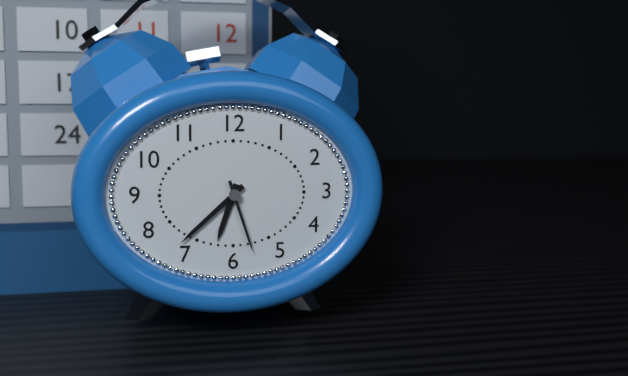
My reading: 6:38:27
